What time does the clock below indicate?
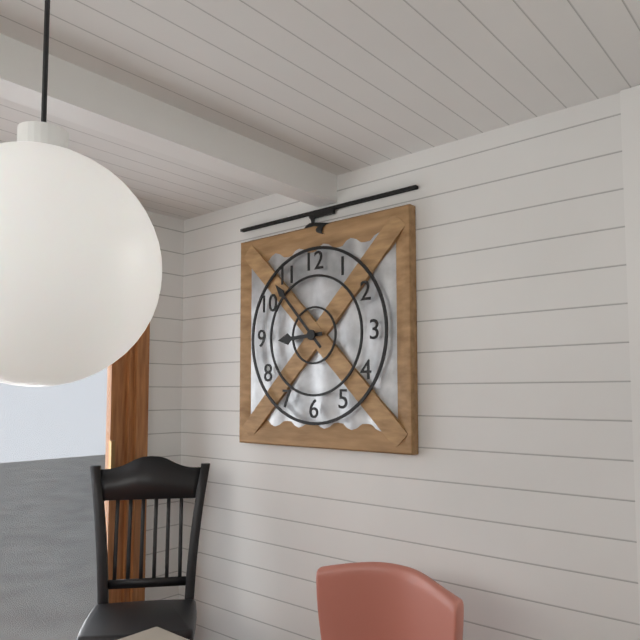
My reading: 8:53
